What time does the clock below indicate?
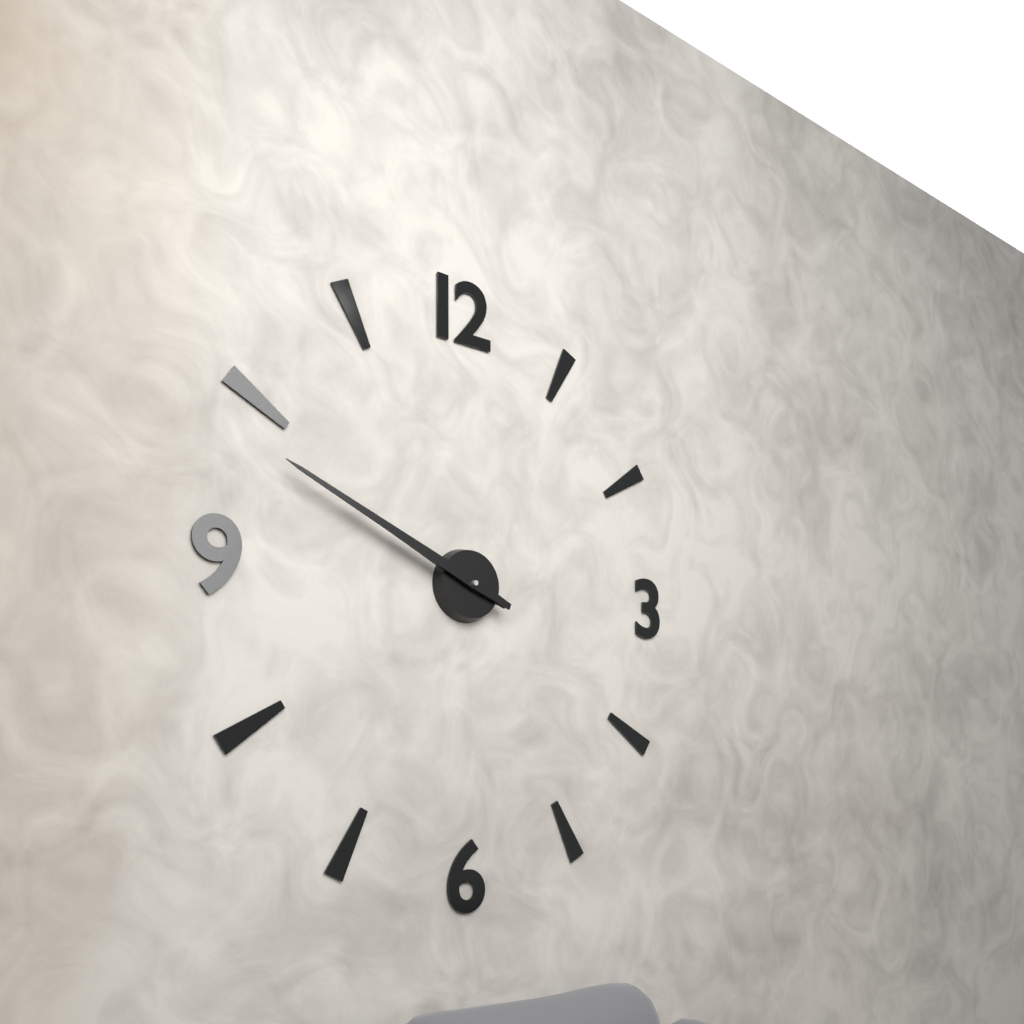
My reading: 9:49
